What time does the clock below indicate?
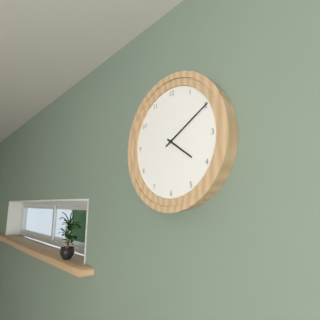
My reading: 4:10
